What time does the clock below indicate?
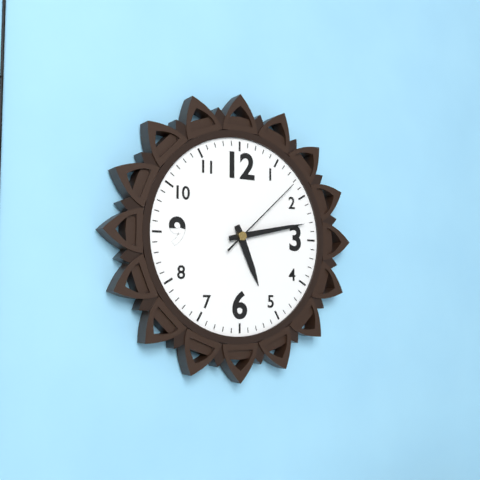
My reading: 5:13:08
